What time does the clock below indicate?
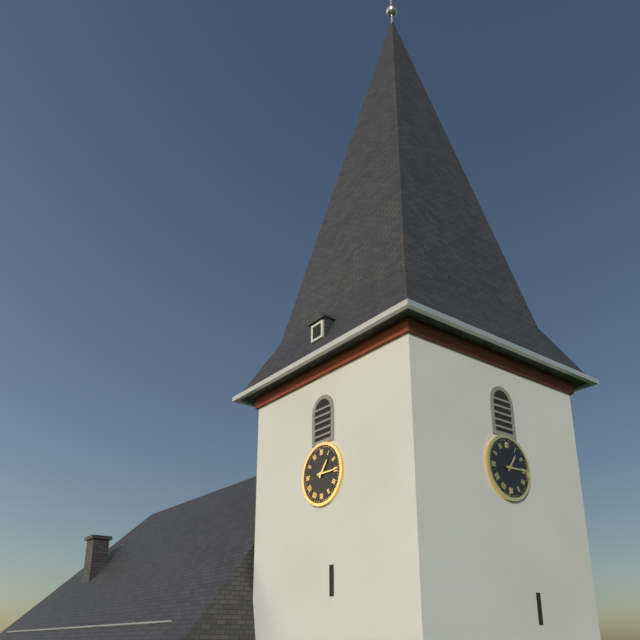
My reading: 1:15
